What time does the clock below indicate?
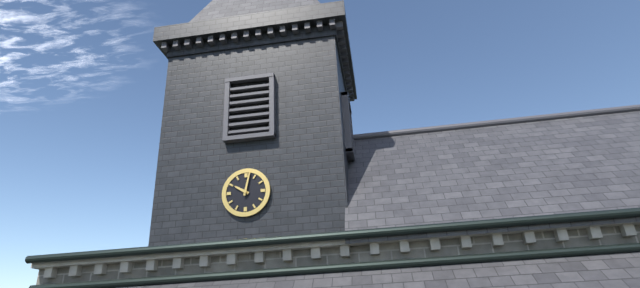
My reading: 10:02
